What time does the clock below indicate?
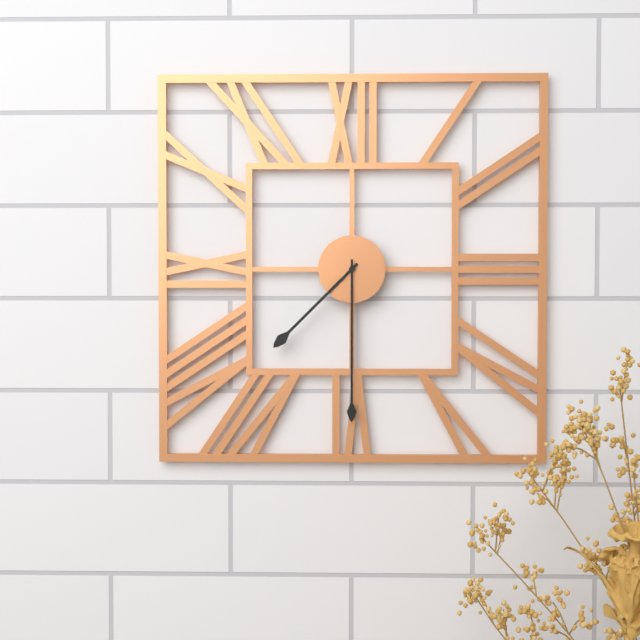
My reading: 7:30
